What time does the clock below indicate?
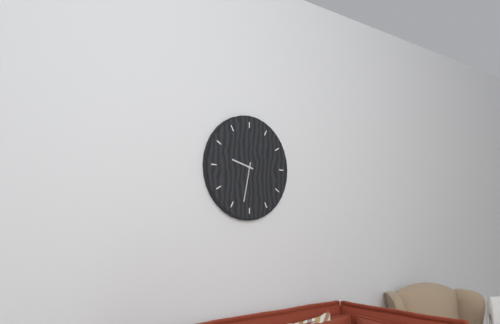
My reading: 9:32
